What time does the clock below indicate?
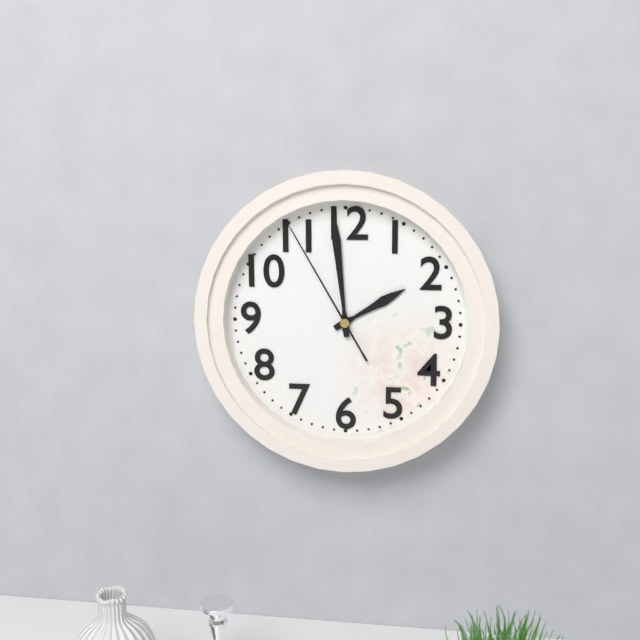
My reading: 1:59:55
